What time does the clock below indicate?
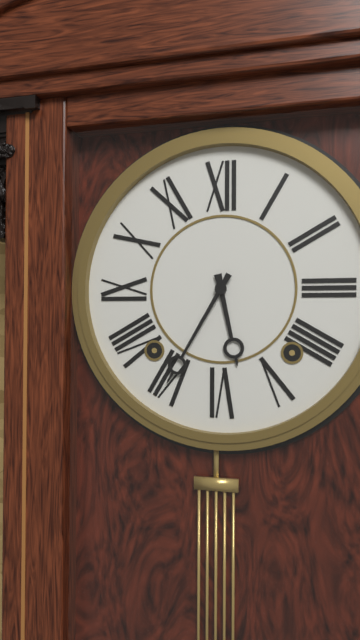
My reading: 5:35
